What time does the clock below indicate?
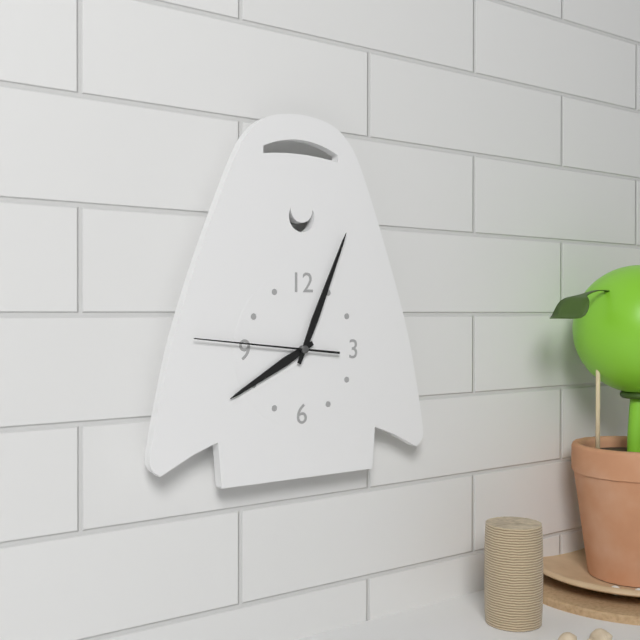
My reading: 8:04:46
